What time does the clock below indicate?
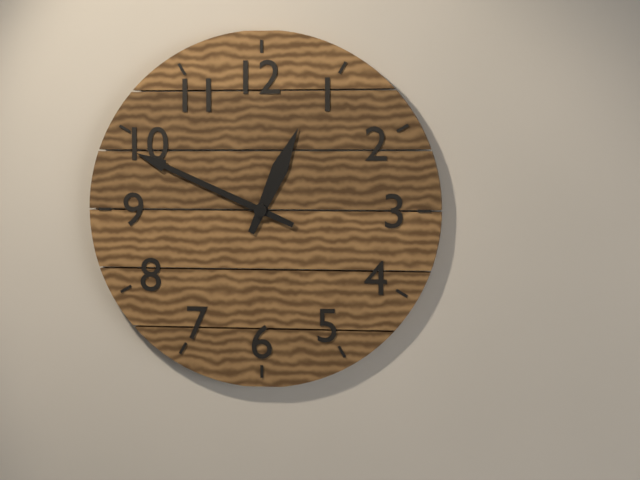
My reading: 12:49
